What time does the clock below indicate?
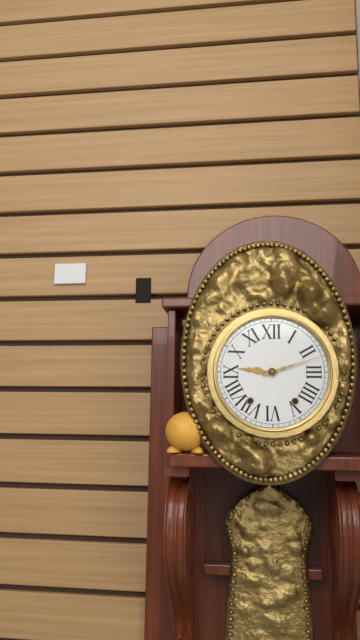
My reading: 9:12
